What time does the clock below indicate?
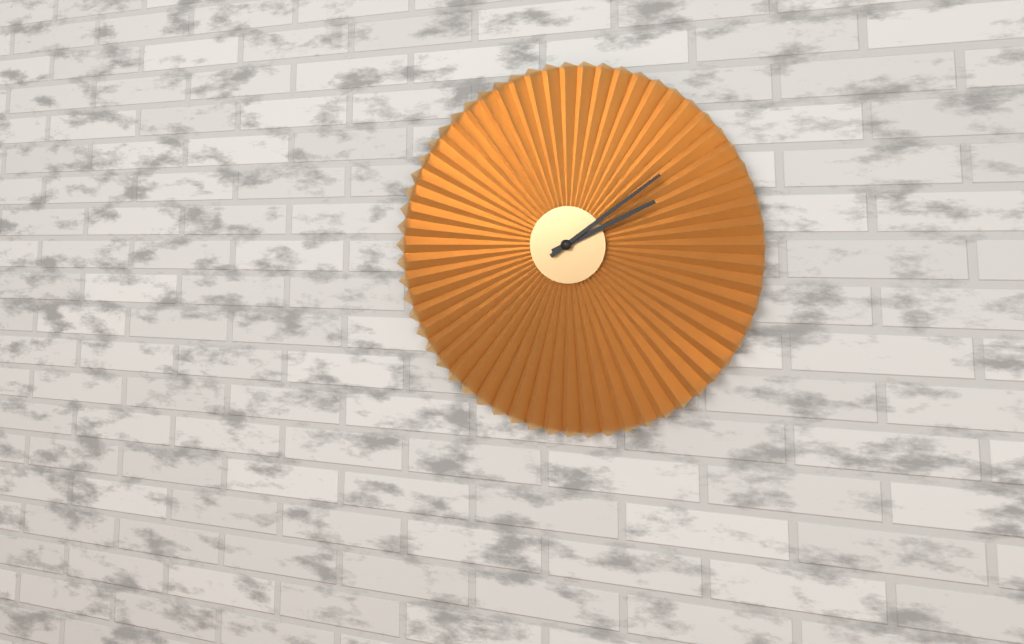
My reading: 2:09
